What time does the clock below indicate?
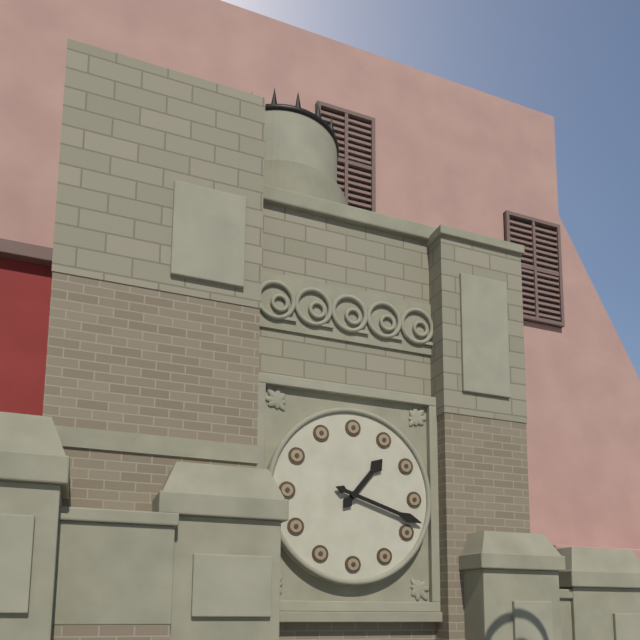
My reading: 1:18
